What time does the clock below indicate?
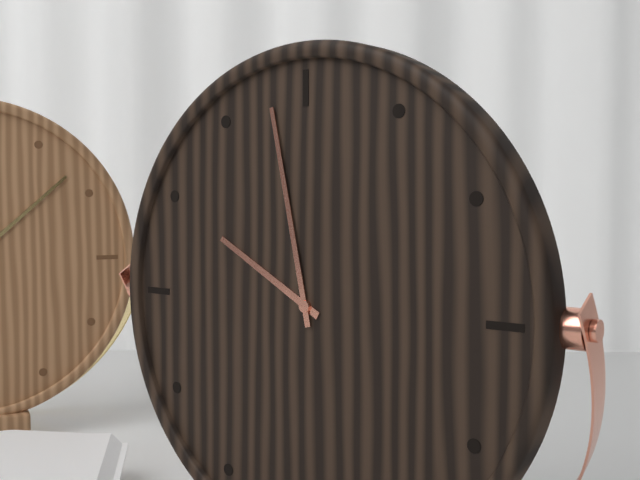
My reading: 9:58
